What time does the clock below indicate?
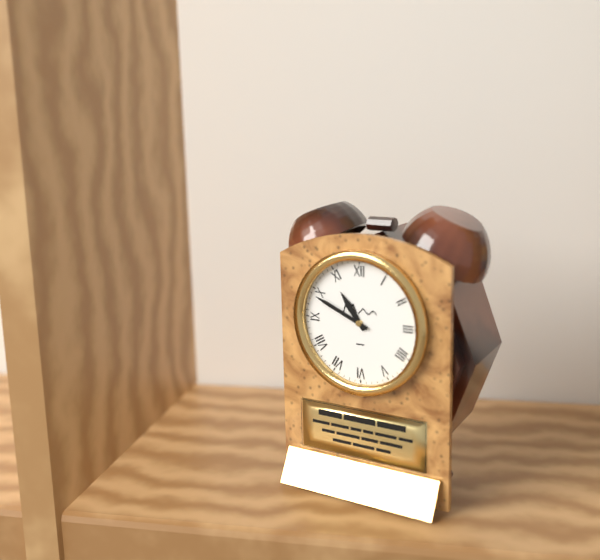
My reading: 10:49
